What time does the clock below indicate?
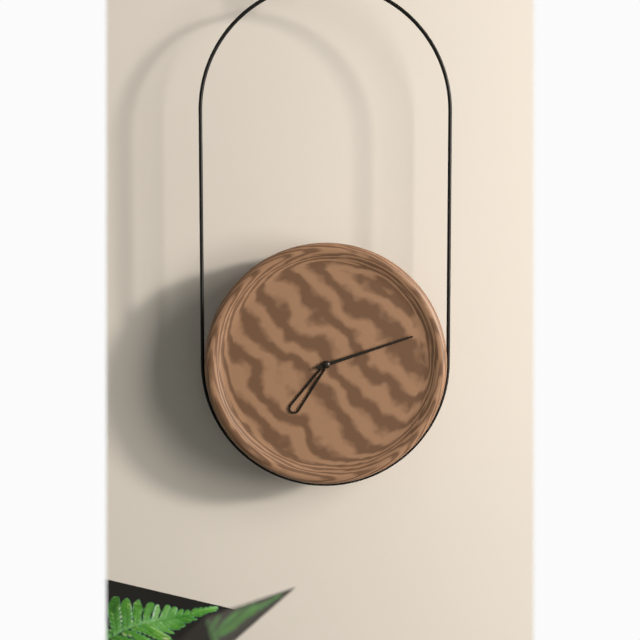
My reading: 7:12
